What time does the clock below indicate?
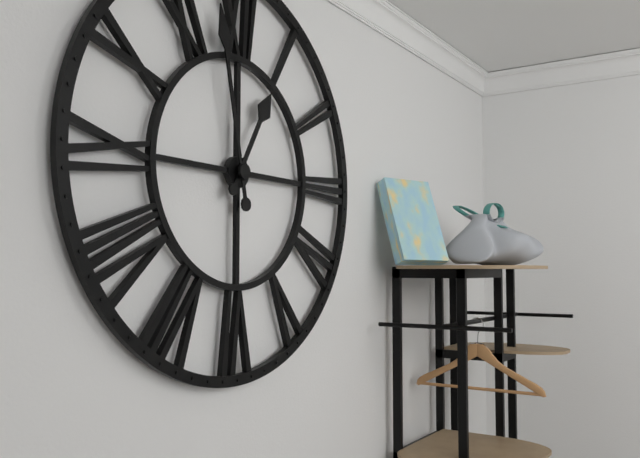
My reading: 12:58
